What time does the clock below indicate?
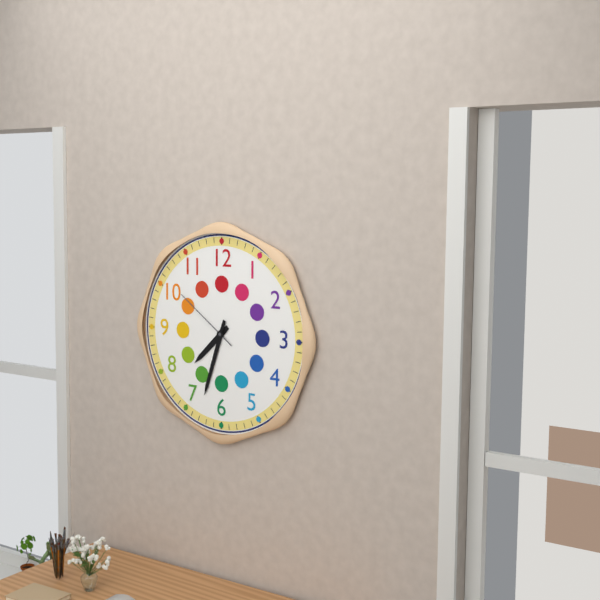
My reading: 7:33:51
